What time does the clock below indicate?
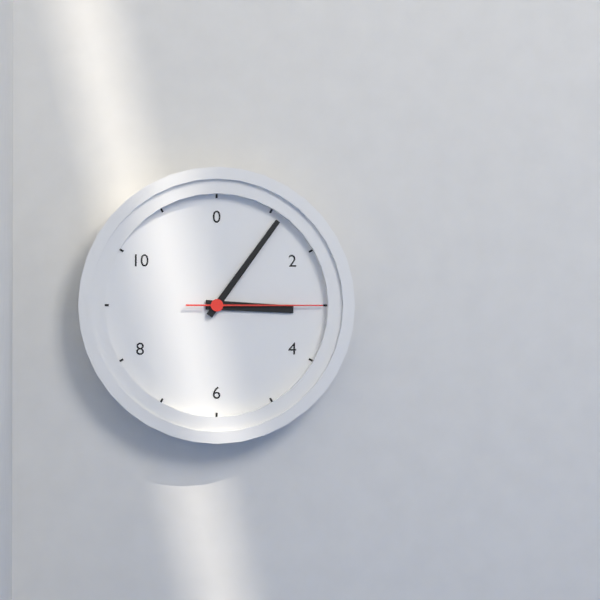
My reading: 3:06:15
